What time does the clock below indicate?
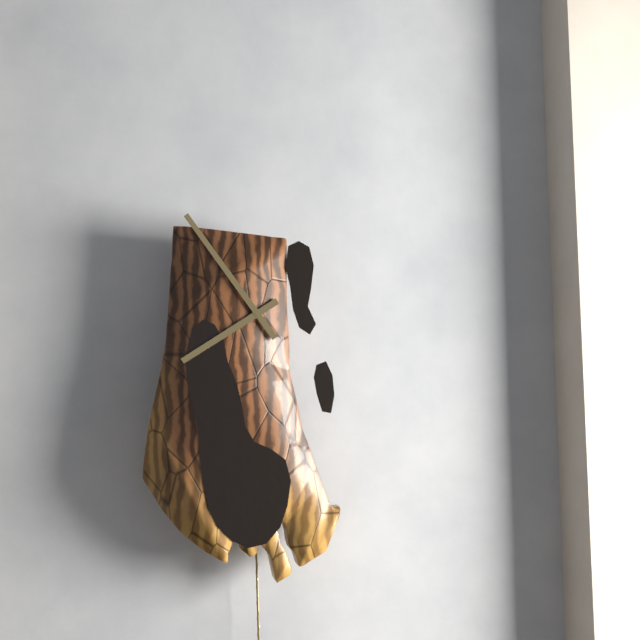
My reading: 7:54
